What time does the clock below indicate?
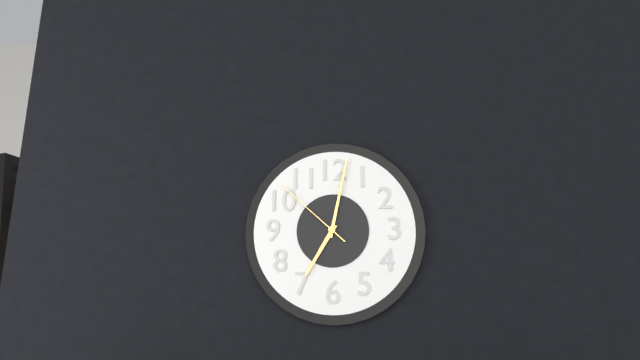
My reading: 7:02:52
